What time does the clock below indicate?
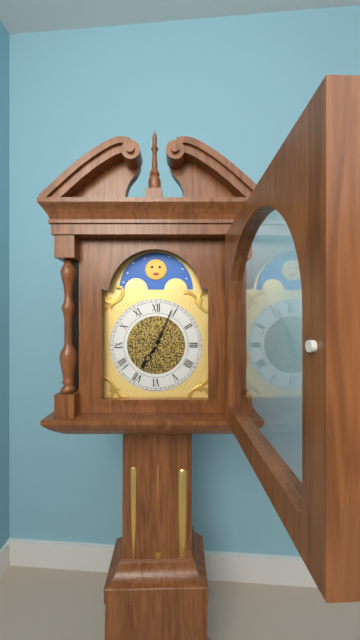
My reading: 7:04
